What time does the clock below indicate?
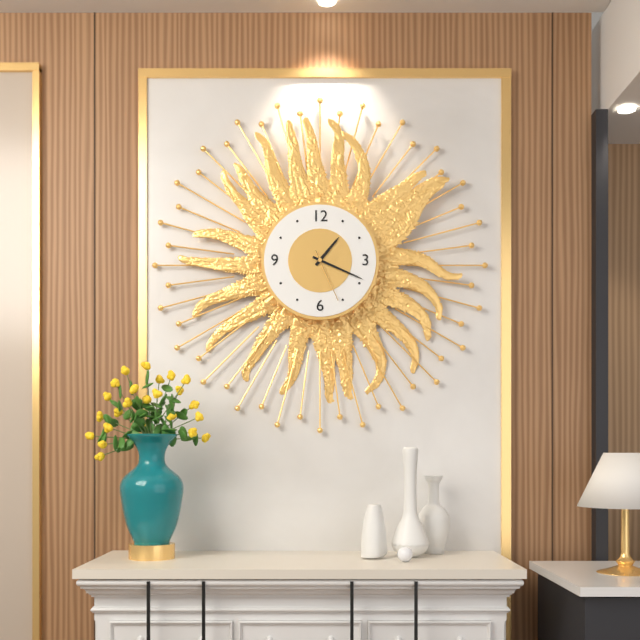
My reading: 1:19:26
